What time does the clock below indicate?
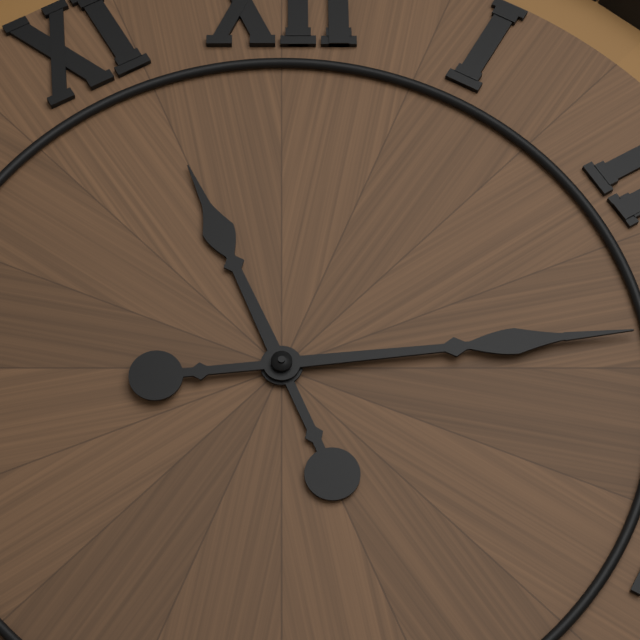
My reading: 11:14
